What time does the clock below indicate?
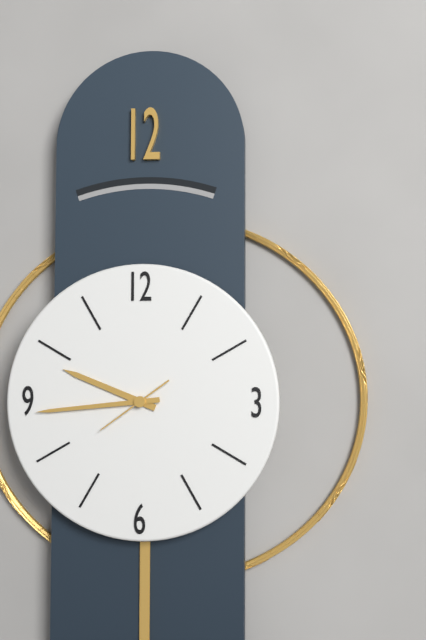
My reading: 9:44:39
